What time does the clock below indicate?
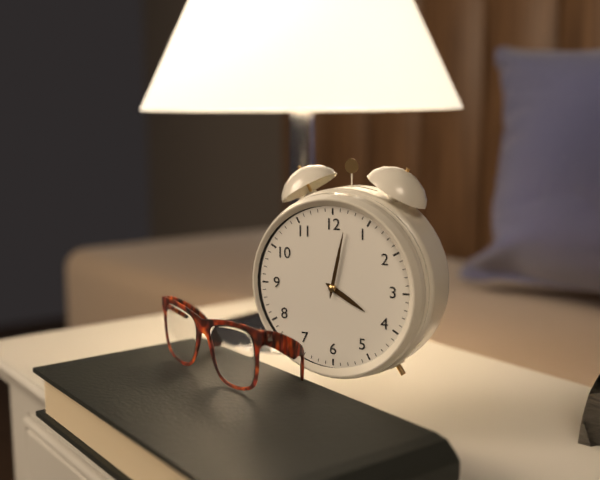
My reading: 4:02
